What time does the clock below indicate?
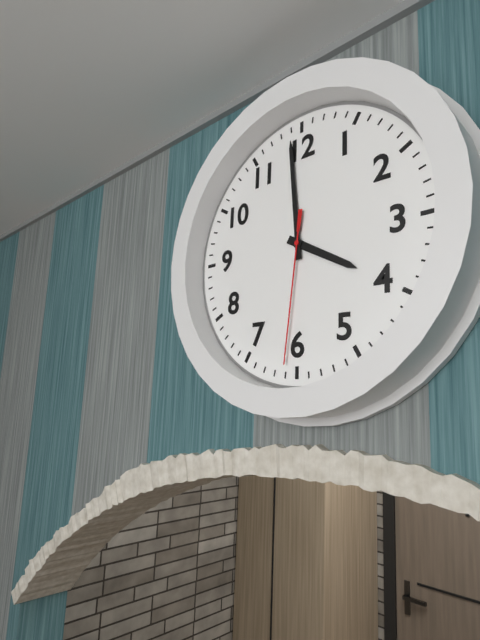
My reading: 3:59:31
